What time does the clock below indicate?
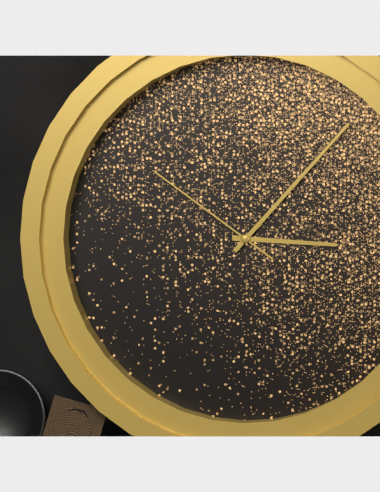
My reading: 3:07:51
